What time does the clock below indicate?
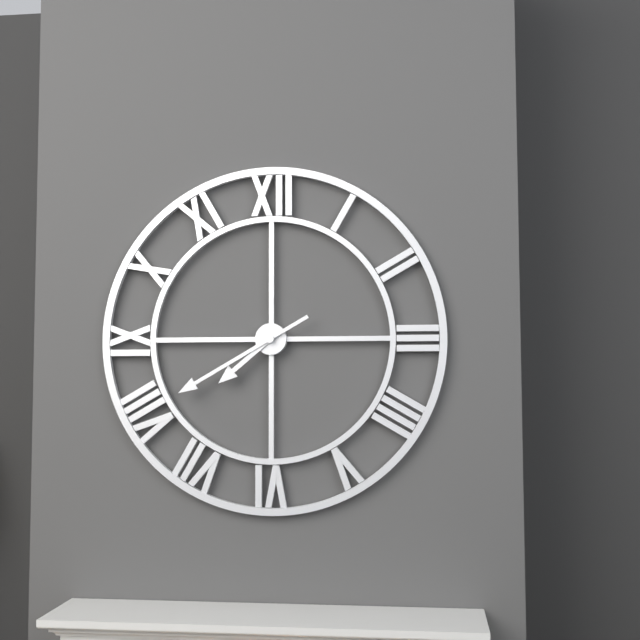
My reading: 7:40
